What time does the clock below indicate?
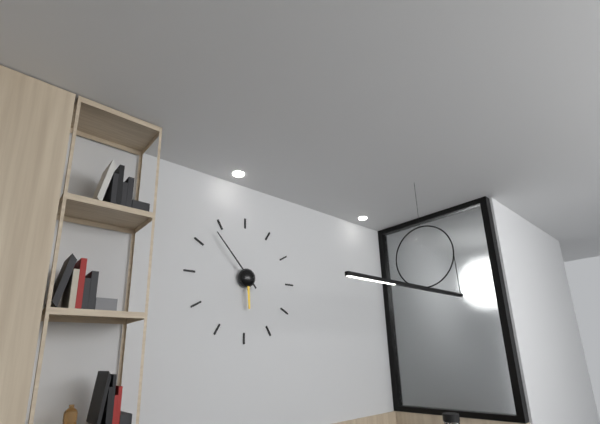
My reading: 5:53
